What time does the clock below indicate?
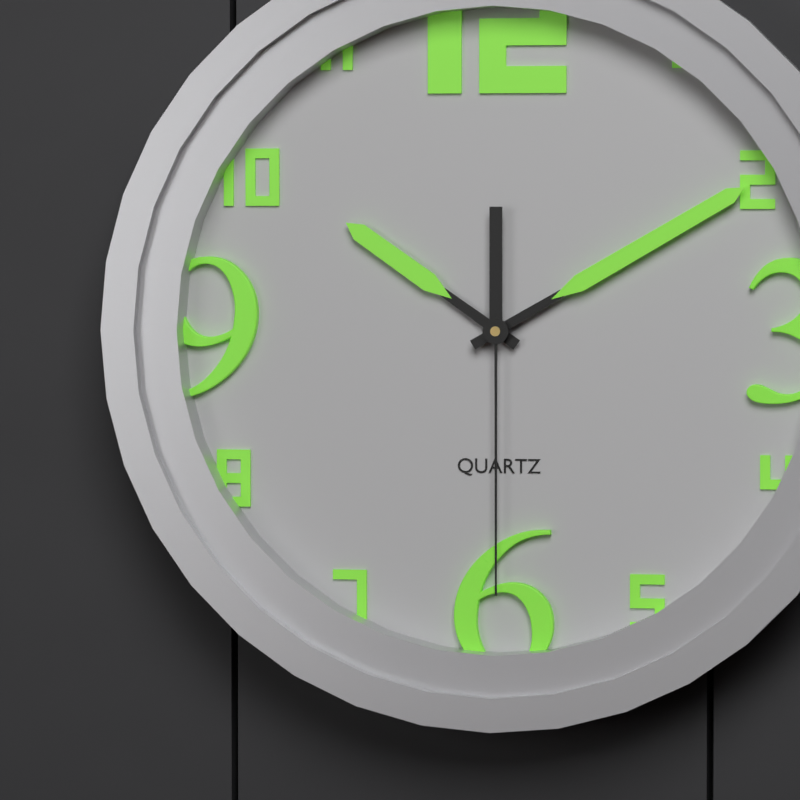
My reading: 10:10:30
